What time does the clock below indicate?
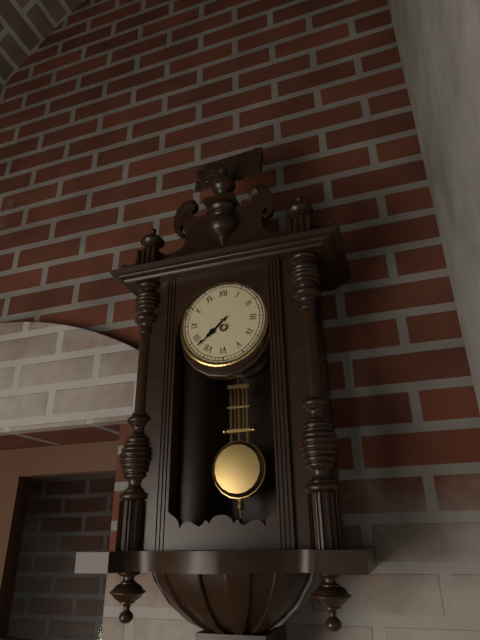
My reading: 7:38
